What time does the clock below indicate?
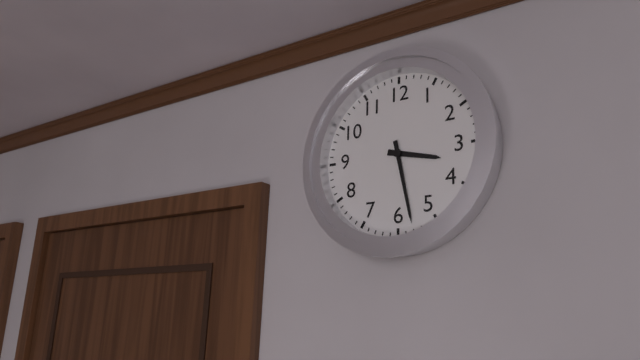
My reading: 3:28
